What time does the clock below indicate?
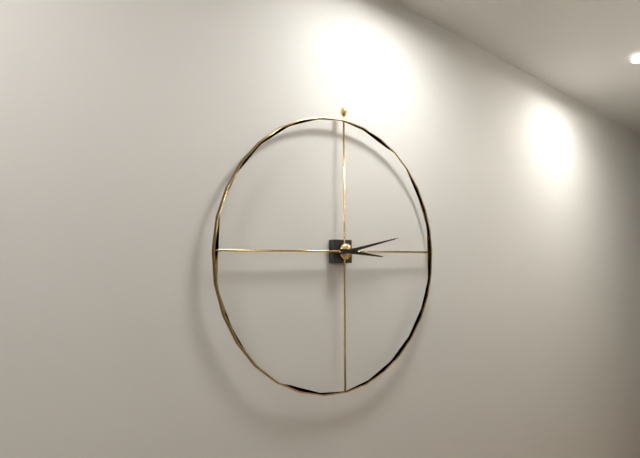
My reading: 3:13
